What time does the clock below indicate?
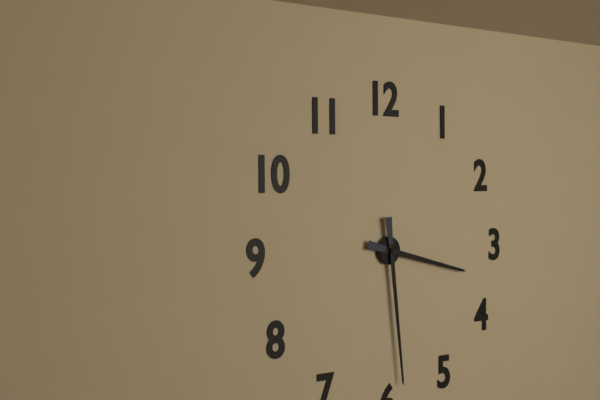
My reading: 3:29
